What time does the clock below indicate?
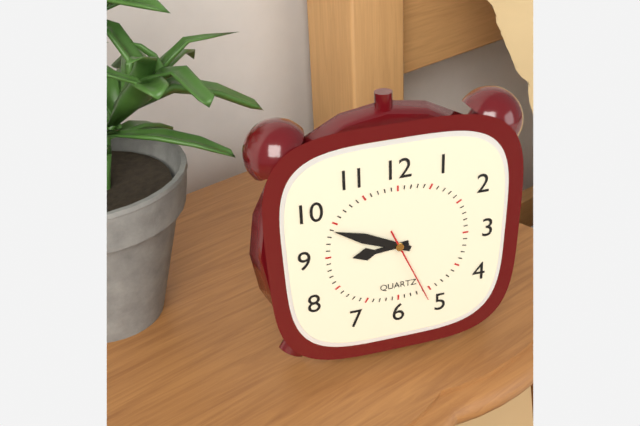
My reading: 8:49:26
